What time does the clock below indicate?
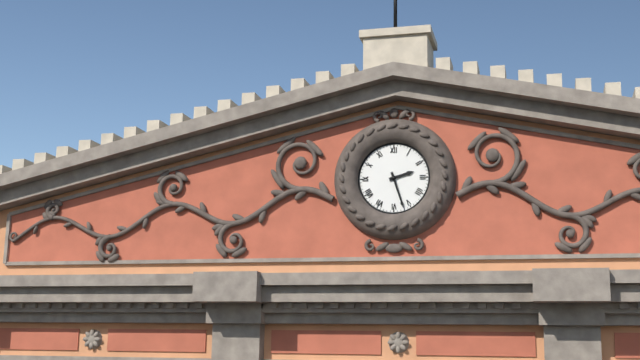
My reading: 2:27
